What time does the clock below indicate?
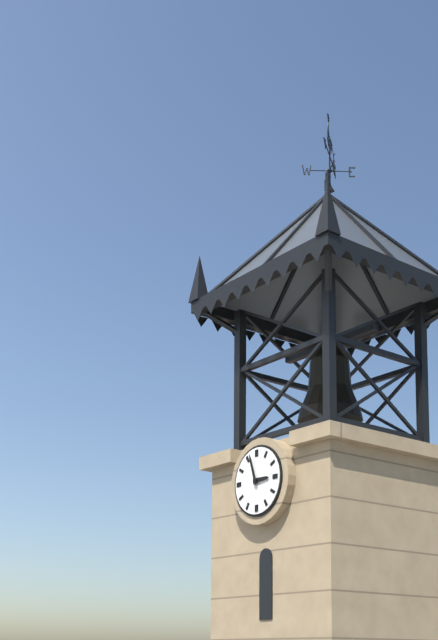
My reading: 2:57
